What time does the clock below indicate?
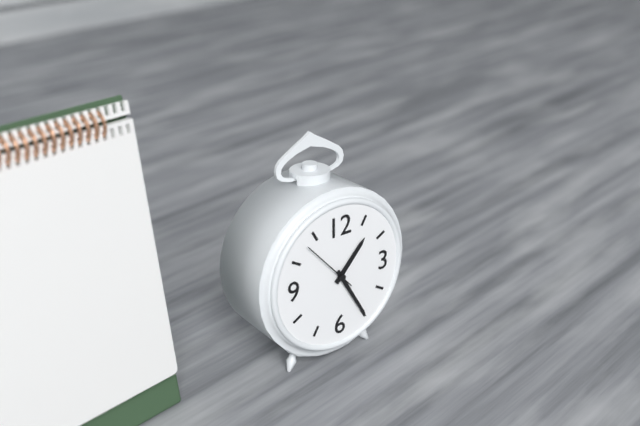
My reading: 1:25:53
